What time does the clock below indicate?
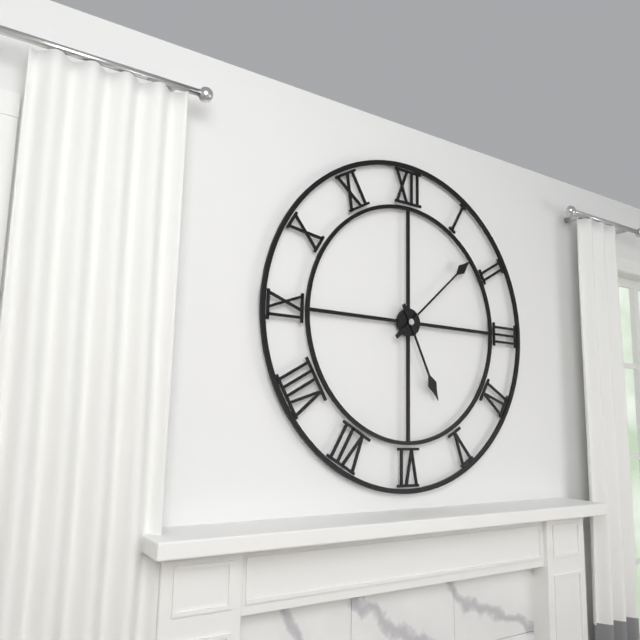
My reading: 5:08
